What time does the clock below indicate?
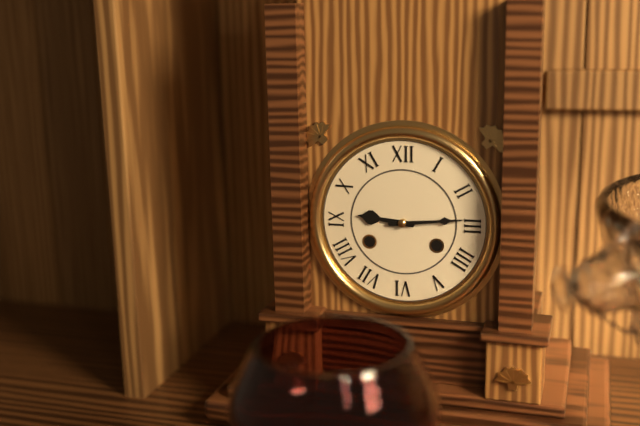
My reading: 9:14
